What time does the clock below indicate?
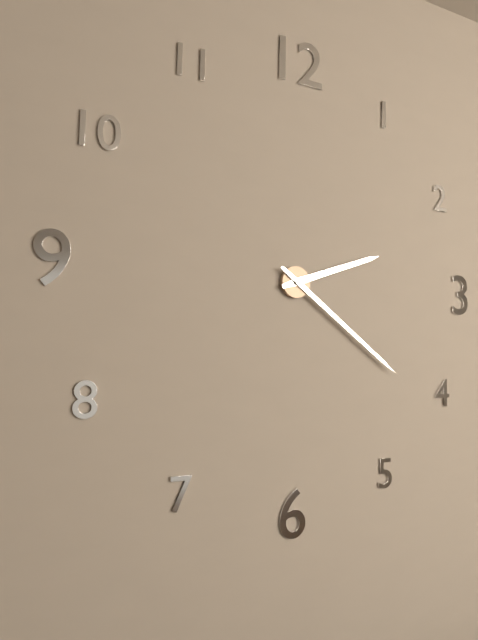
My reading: 2:21
